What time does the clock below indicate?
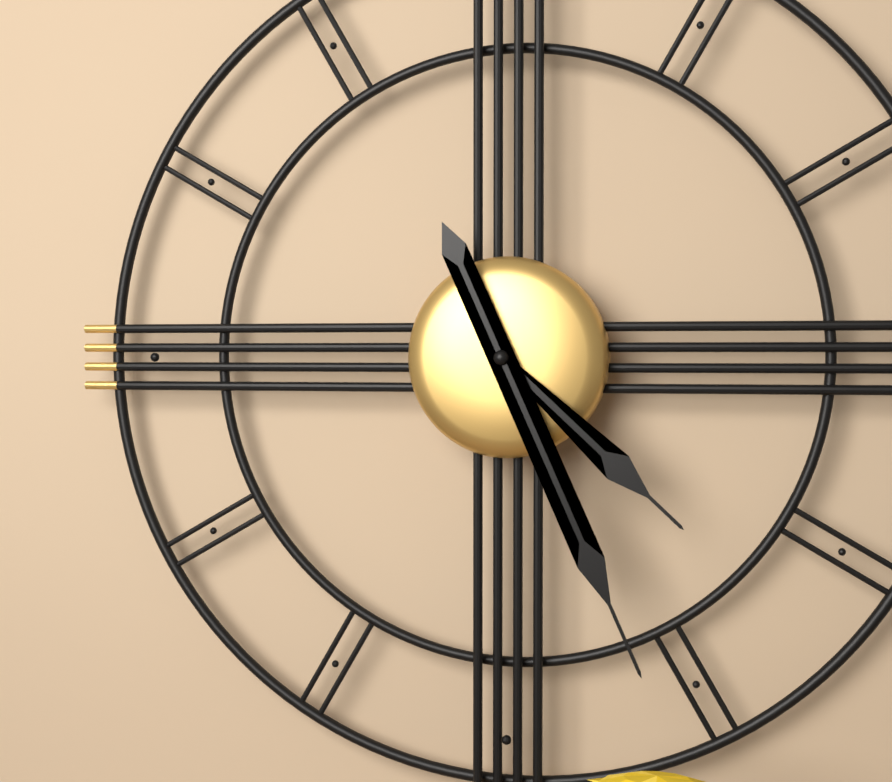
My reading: 4:26
